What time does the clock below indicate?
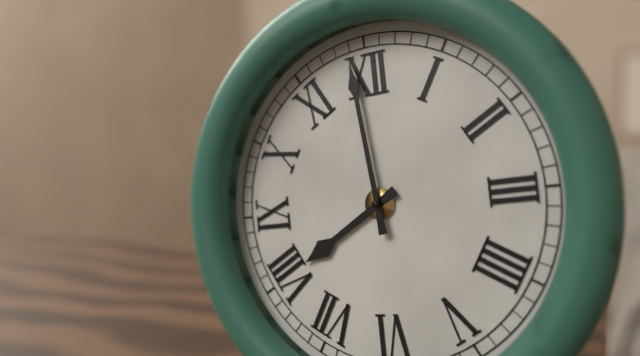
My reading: 7:59
